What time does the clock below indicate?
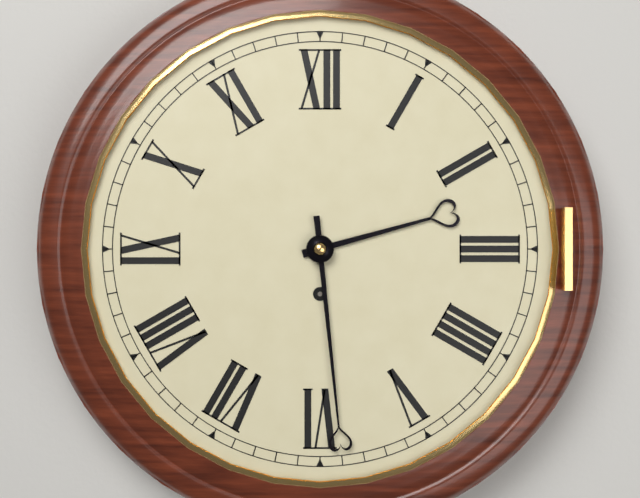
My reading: 2:29
